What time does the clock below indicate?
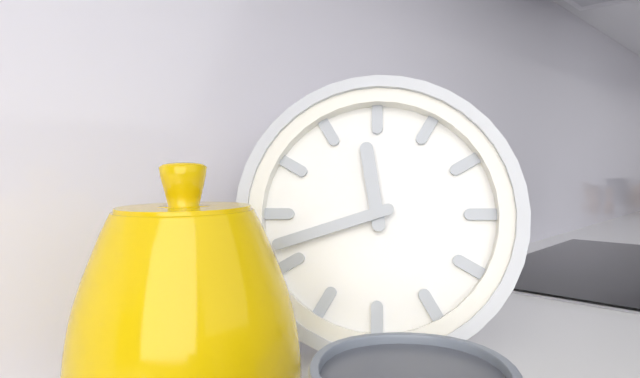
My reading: 11:42
